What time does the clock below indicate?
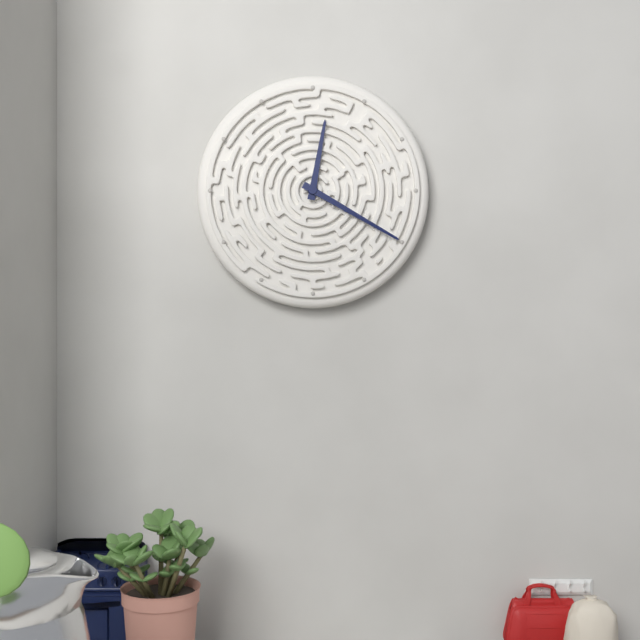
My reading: 12:20
